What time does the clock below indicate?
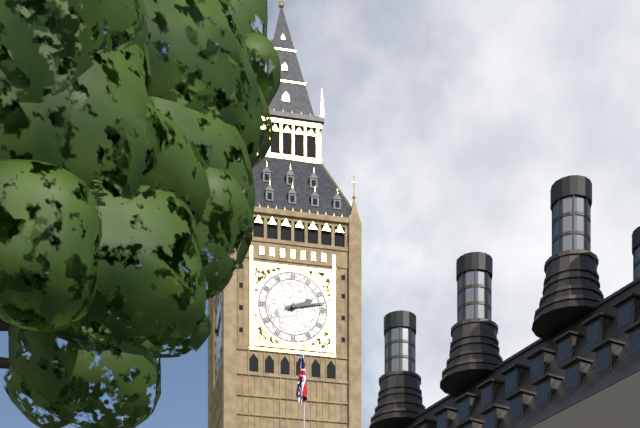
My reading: 2:13
